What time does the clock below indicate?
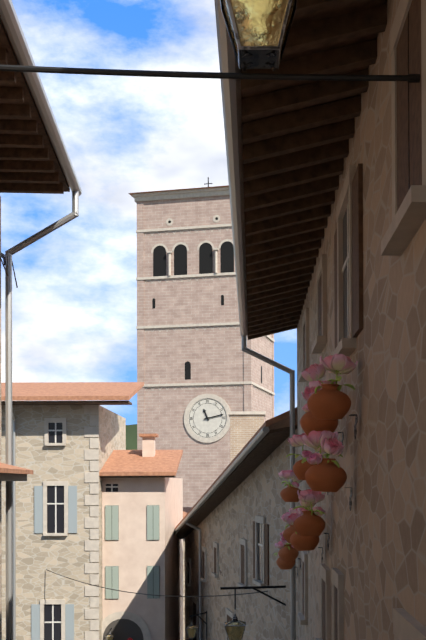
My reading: 11:13
